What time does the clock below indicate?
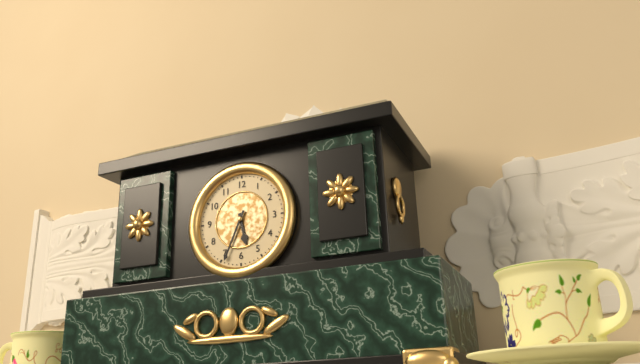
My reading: 5:34
